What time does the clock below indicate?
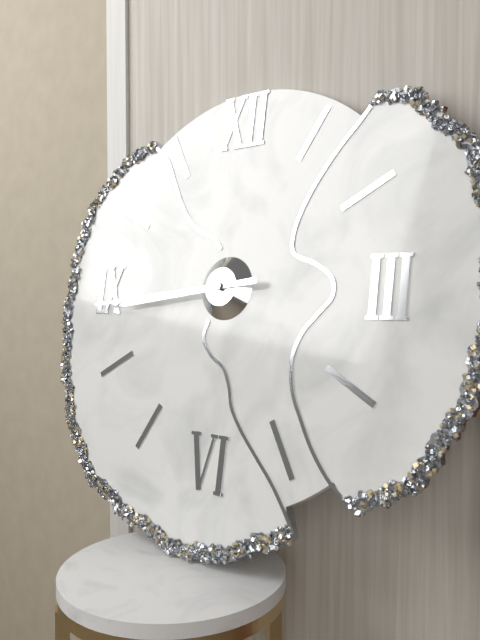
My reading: 8:44
